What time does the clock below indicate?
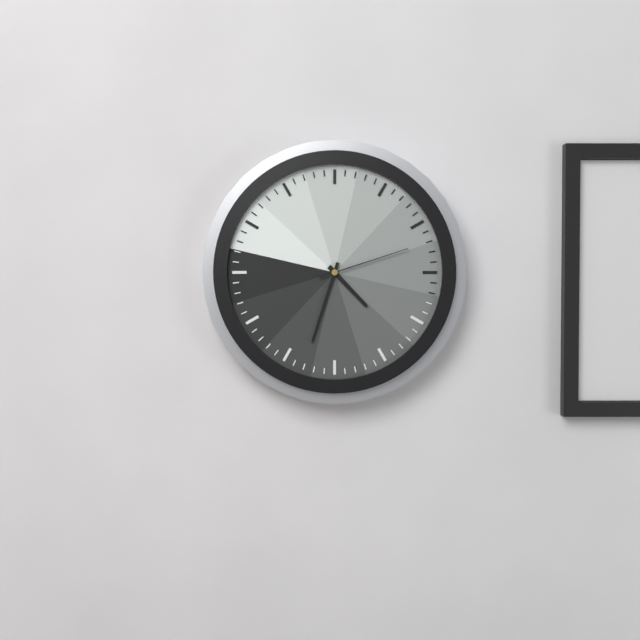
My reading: 4:33:12
